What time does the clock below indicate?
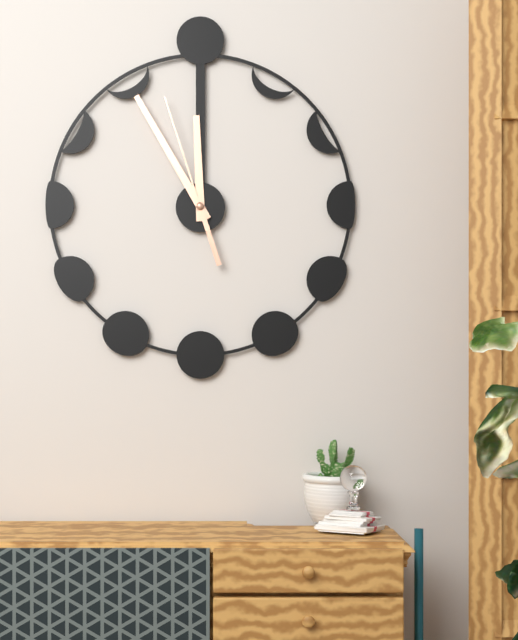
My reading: 11:55:57
